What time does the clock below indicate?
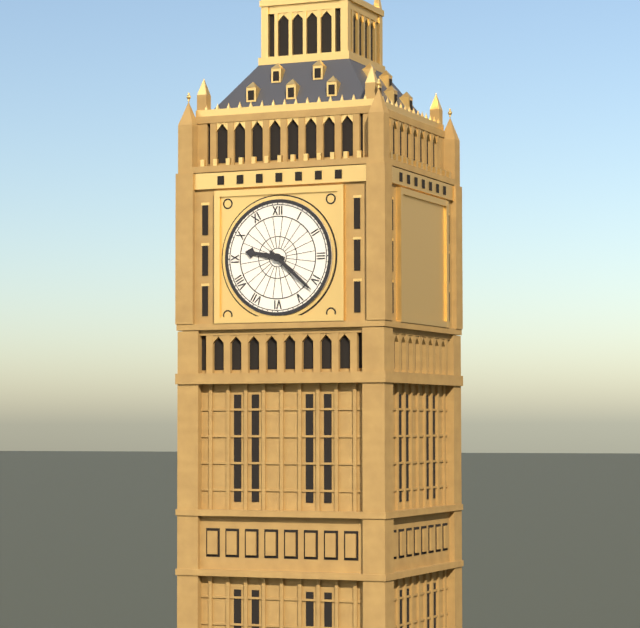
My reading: 9:22
